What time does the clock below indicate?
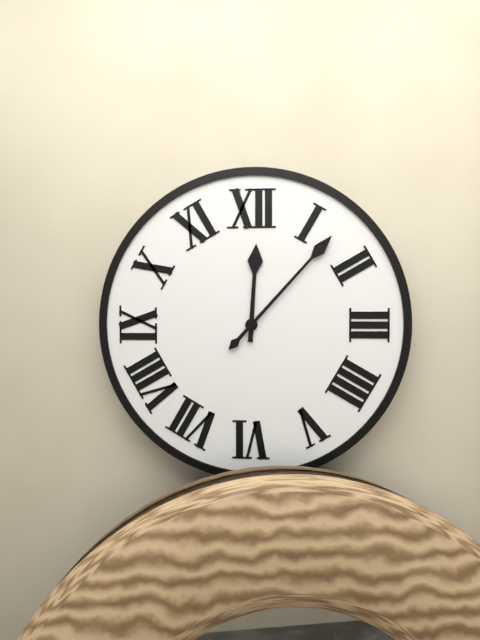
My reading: 12:07
